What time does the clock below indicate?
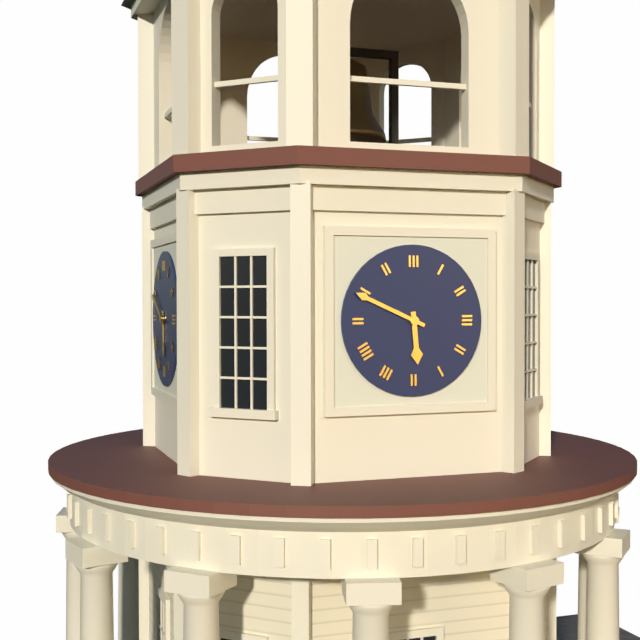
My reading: 5:49
